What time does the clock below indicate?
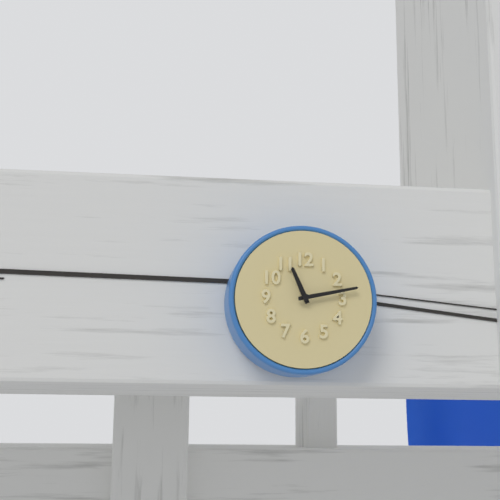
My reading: 11:13
